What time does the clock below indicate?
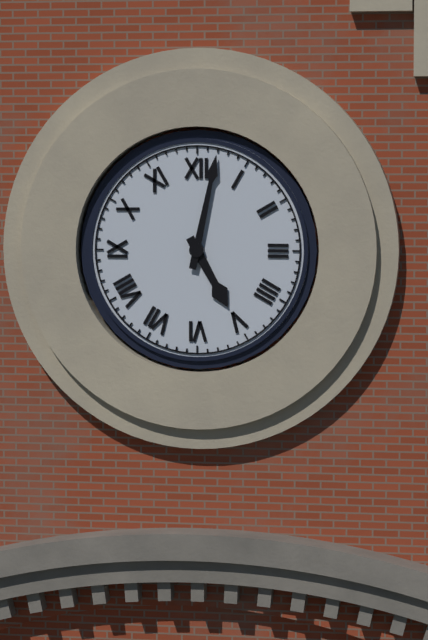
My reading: 5:02
